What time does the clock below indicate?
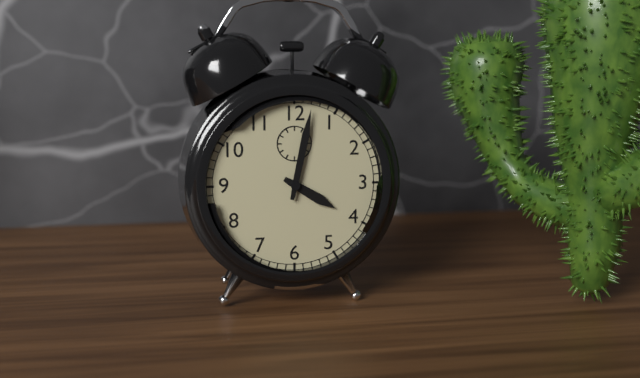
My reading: 4:02
